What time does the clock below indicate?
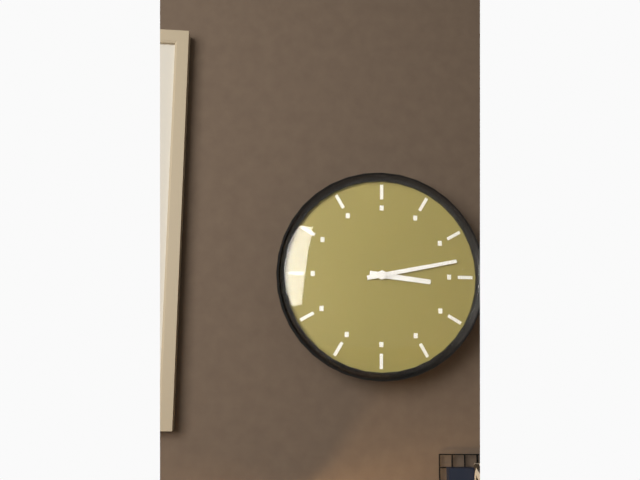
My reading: 3:13
